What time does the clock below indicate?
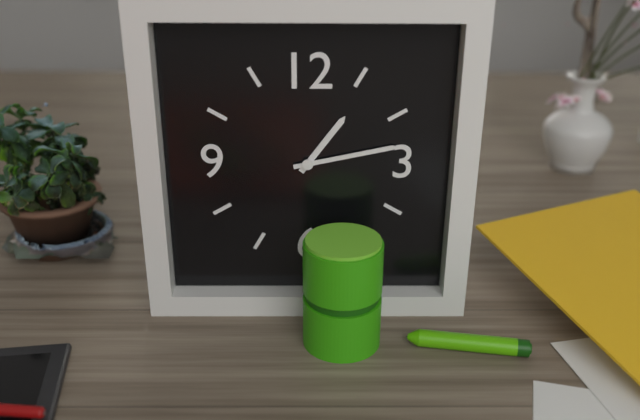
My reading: 1:13
